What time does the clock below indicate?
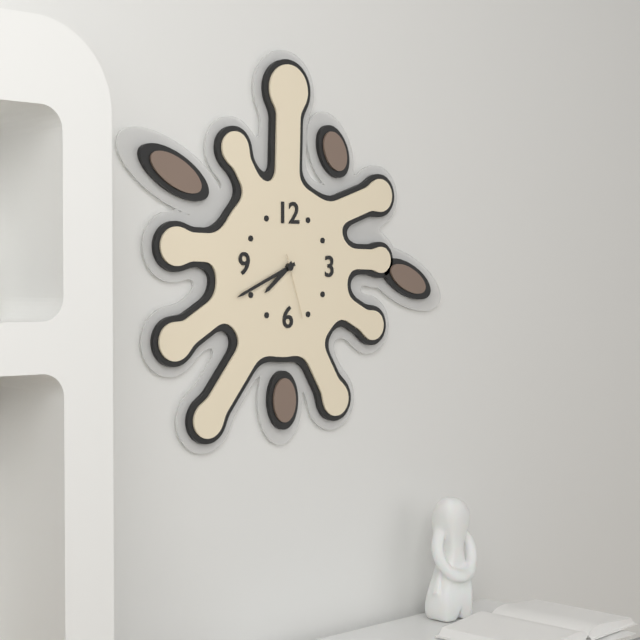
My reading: 7:41:27
